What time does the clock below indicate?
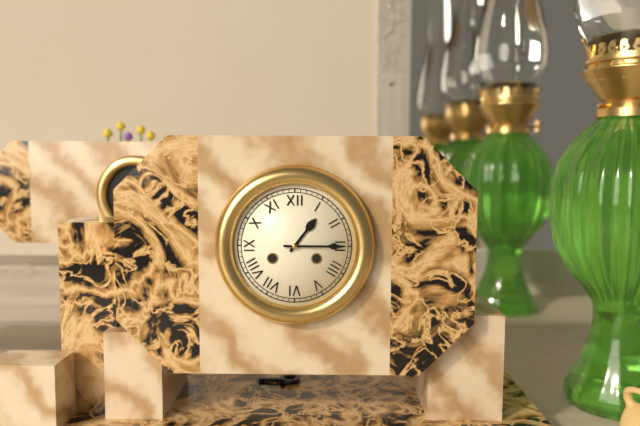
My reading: 1:15
